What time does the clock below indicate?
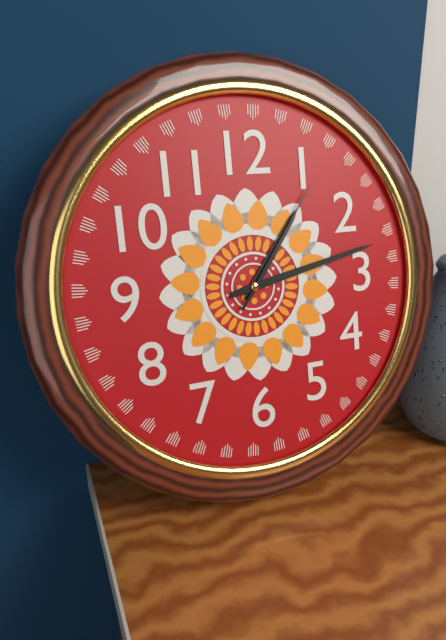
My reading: 1:13:06
